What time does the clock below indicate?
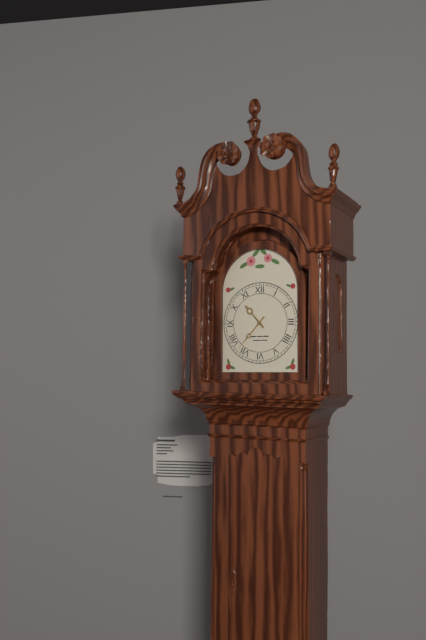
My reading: 10:37
